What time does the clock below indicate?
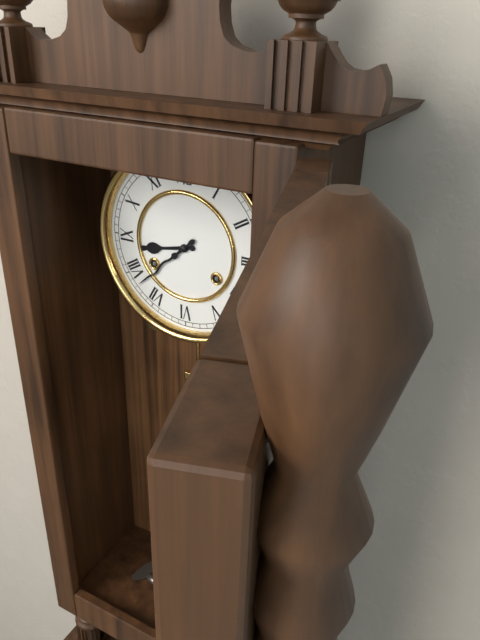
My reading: 8:38
